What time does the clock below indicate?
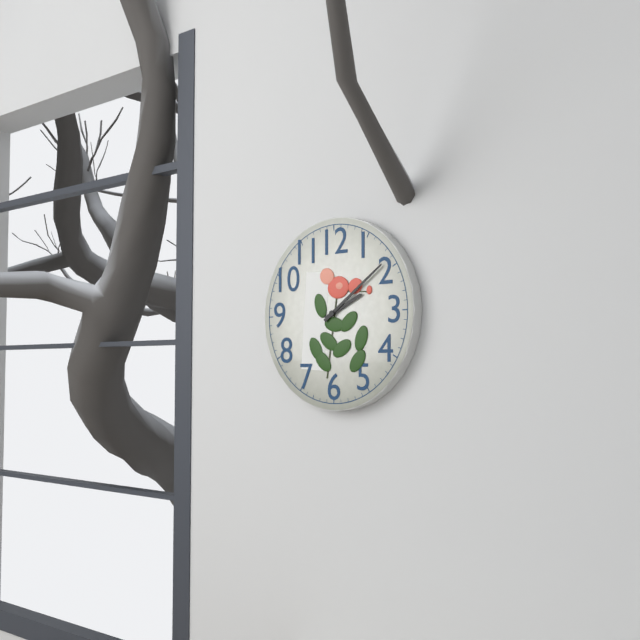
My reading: 2:09
